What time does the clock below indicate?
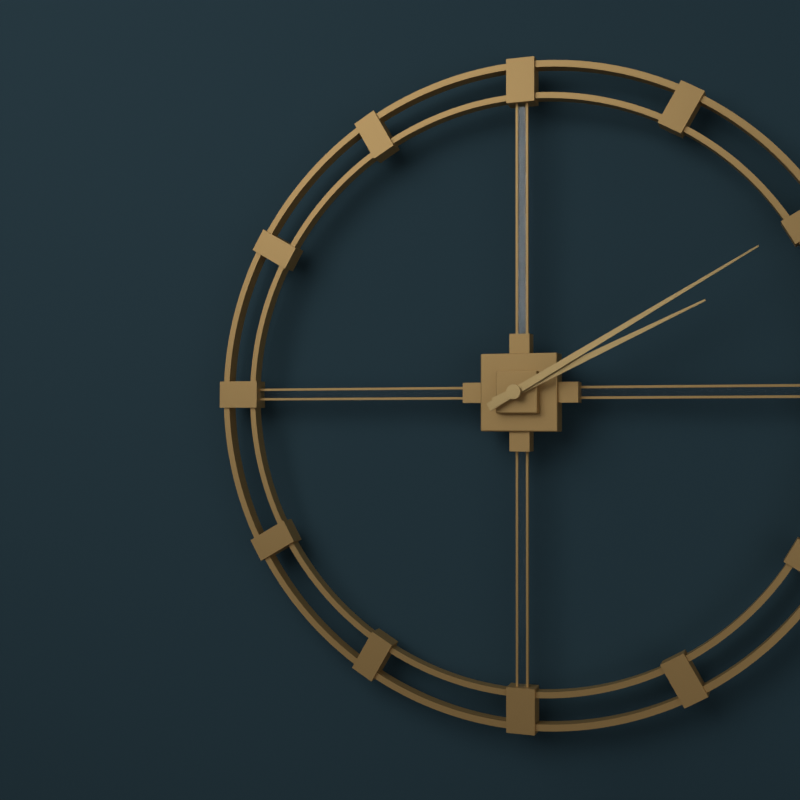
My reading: 2:10
